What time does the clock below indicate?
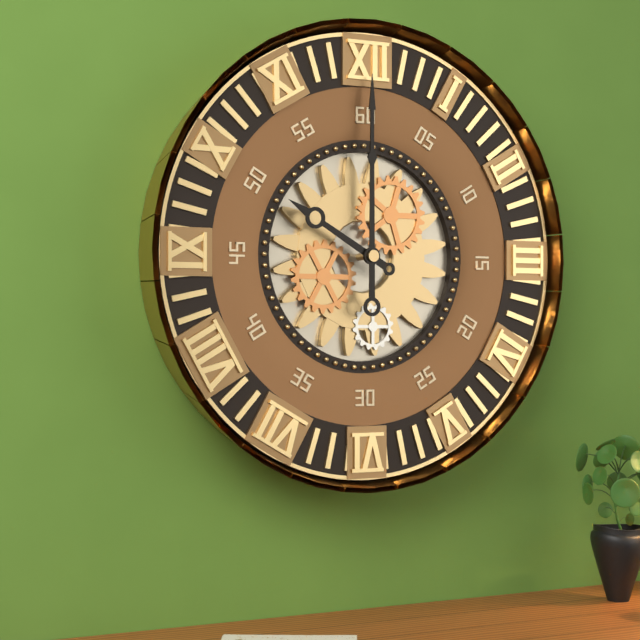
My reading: 10:00
